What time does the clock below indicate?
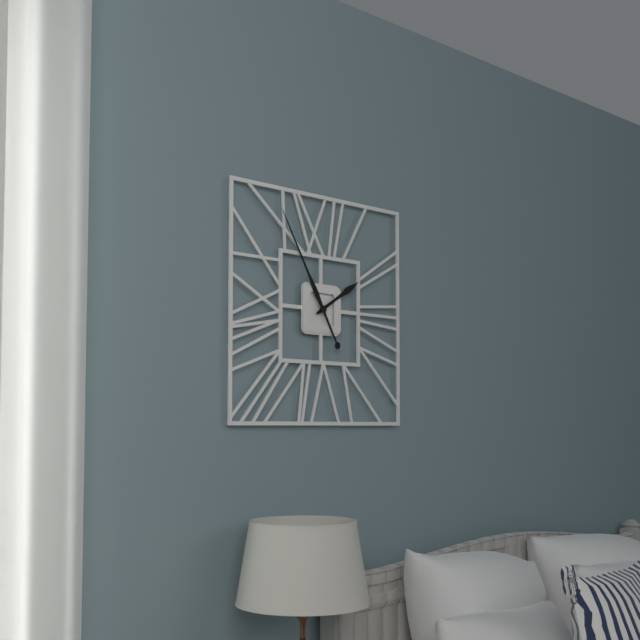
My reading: 1:55
